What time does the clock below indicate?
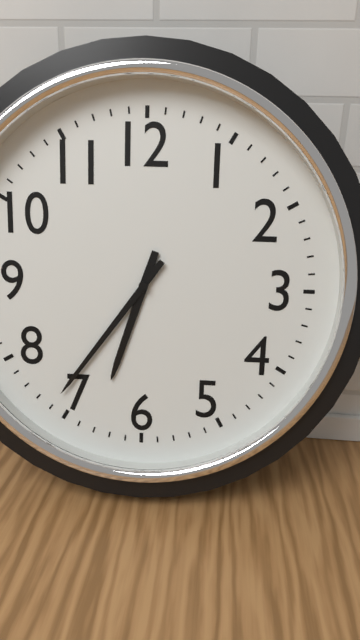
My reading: 6:36
